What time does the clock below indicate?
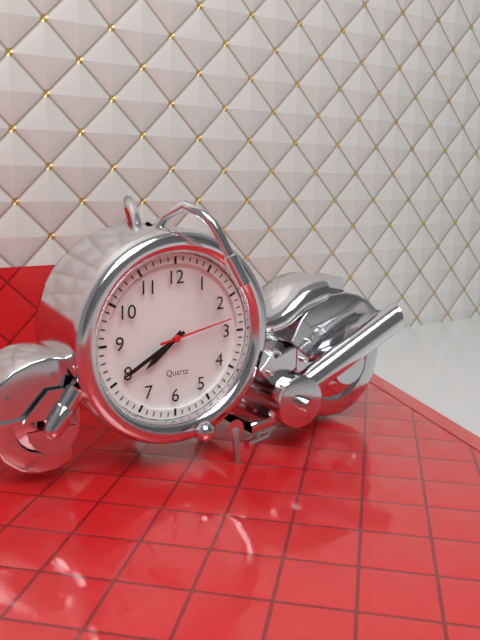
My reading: 7:40:13
